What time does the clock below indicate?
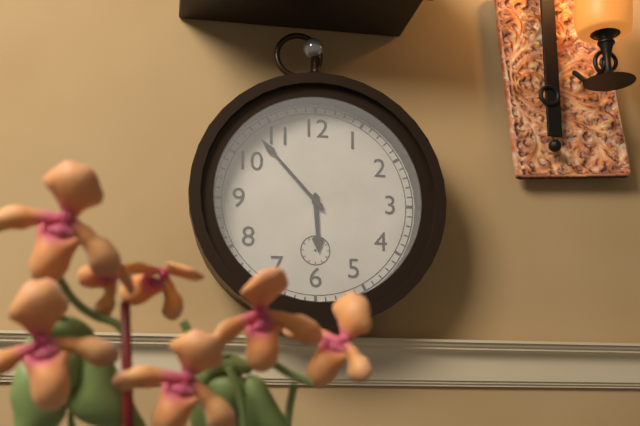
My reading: 5:53
